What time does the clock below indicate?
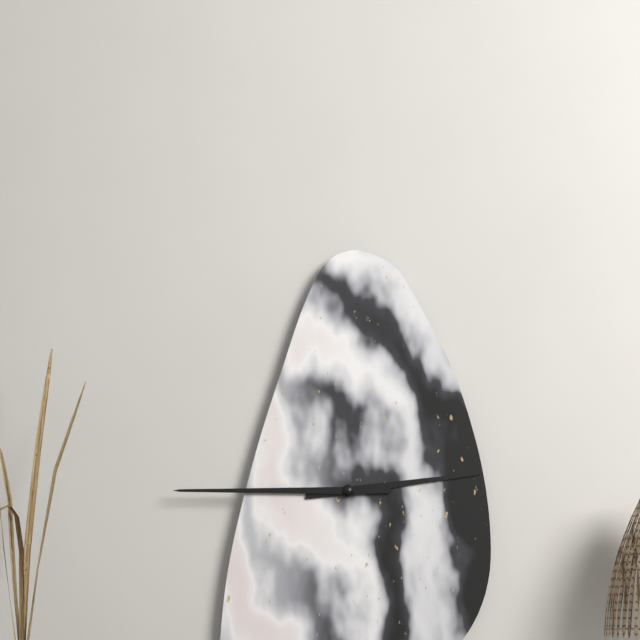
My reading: 2:45
